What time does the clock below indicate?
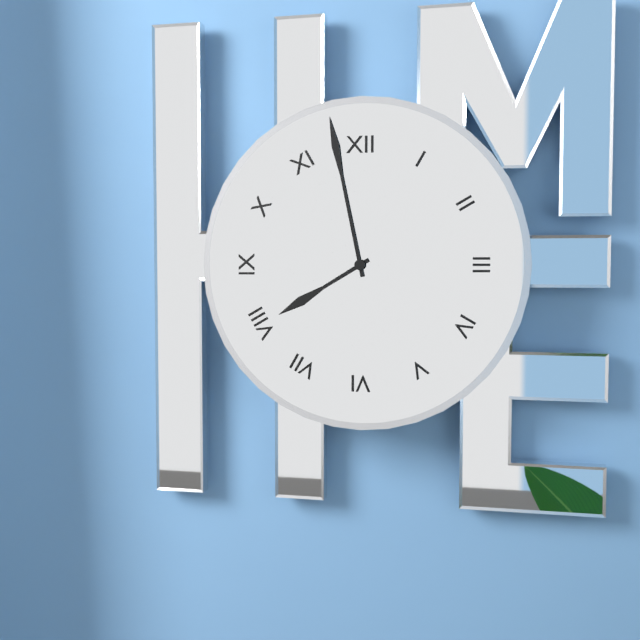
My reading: 7:58
